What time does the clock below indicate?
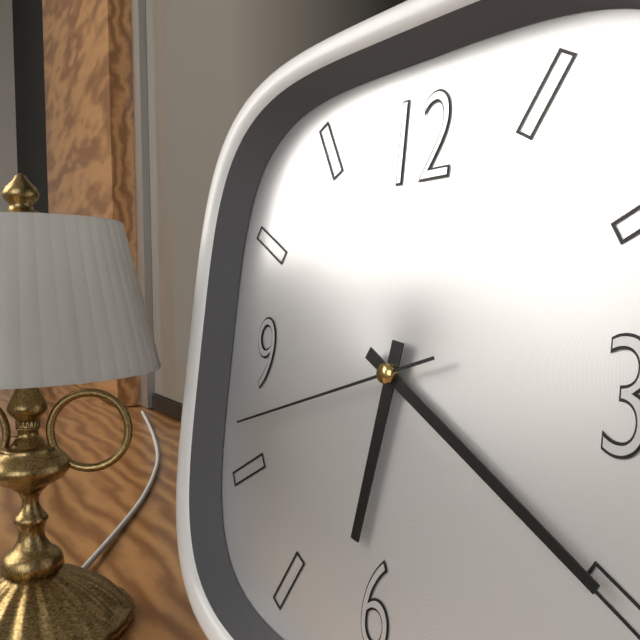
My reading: 6:20:42
